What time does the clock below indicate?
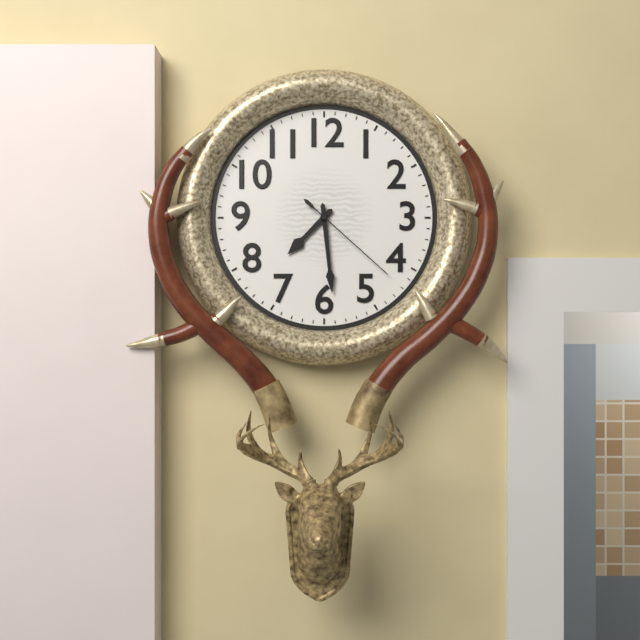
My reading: 7:29:22
